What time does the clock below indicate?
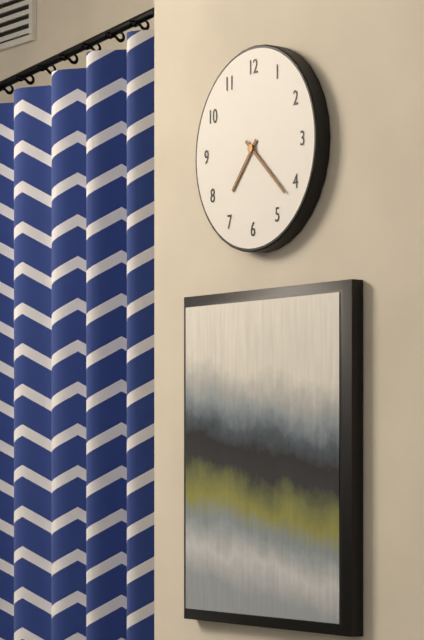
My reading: 7:22
